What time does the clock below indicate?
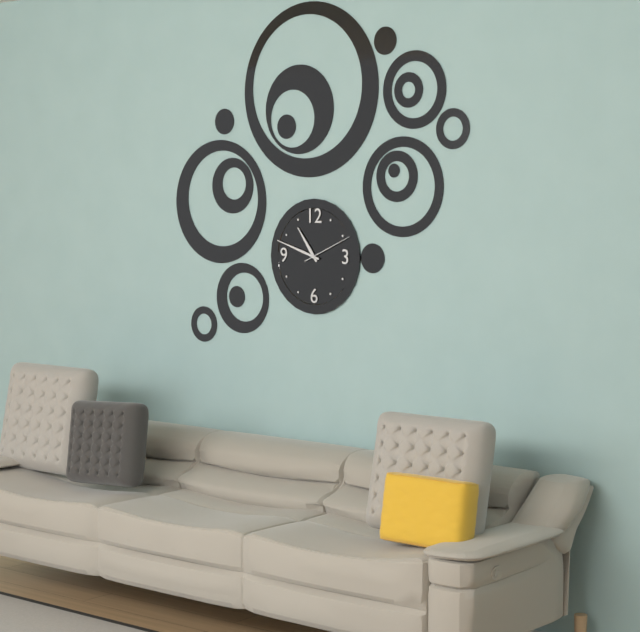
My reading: 10:48:11
